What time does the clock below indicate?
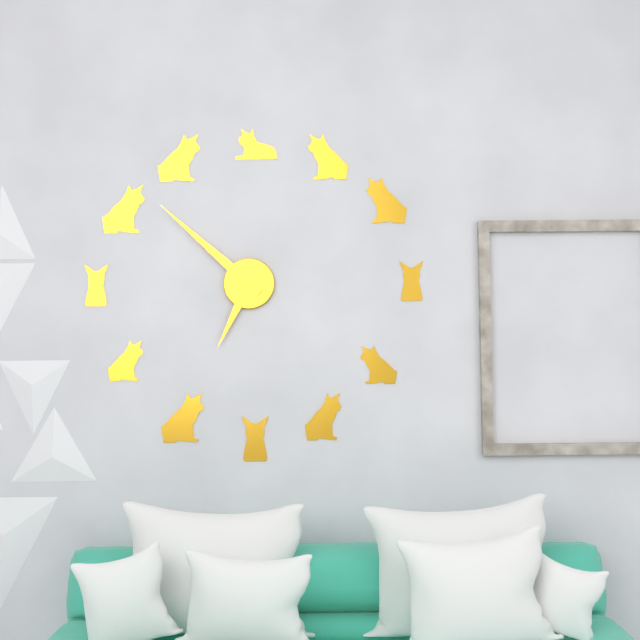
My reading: 6:52
